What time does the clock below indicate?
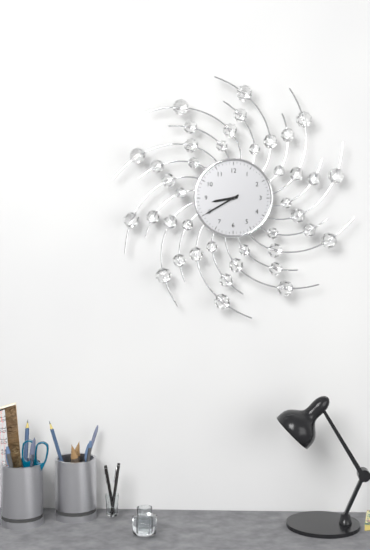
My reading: 8:40
